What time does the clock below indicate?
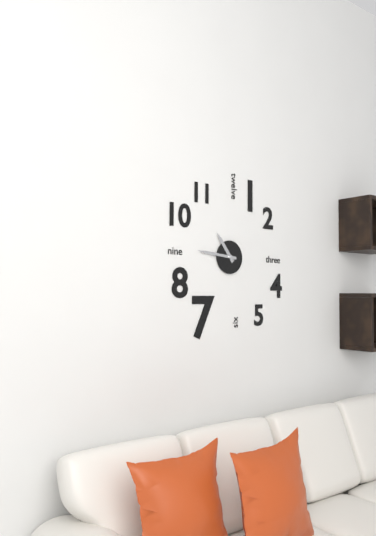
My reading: 10:46
